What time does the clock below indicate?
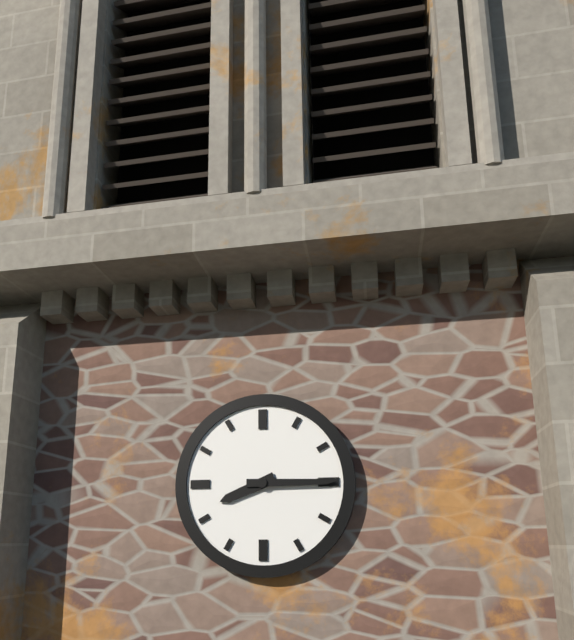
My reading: 8:15
